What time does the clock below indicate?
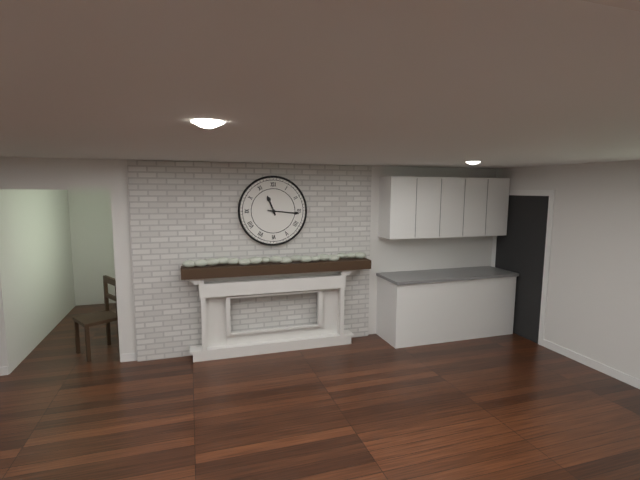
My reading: 11:16
